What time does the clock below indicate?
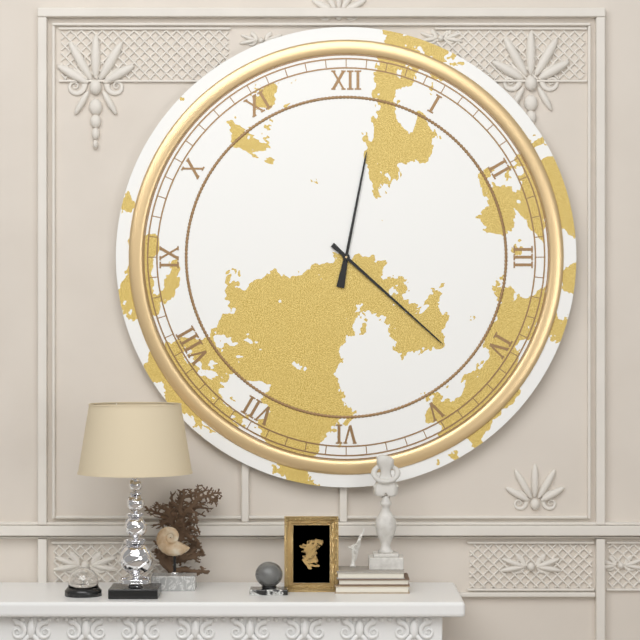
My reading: 12:22
